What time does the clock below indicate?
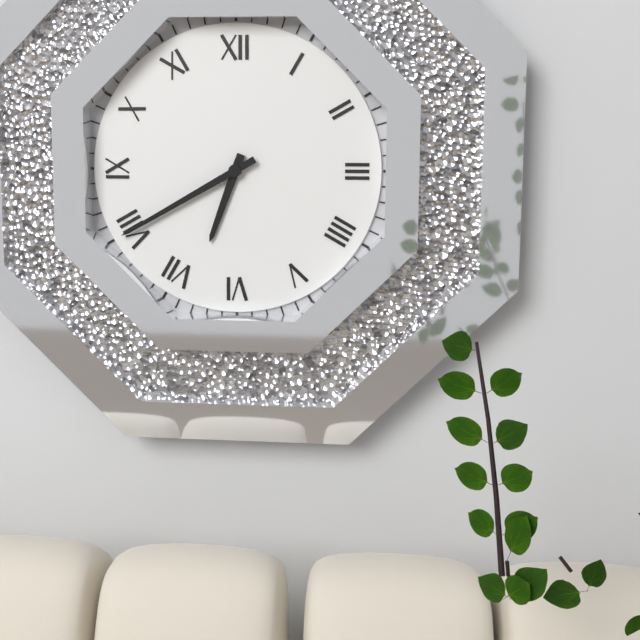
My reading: 6:40
